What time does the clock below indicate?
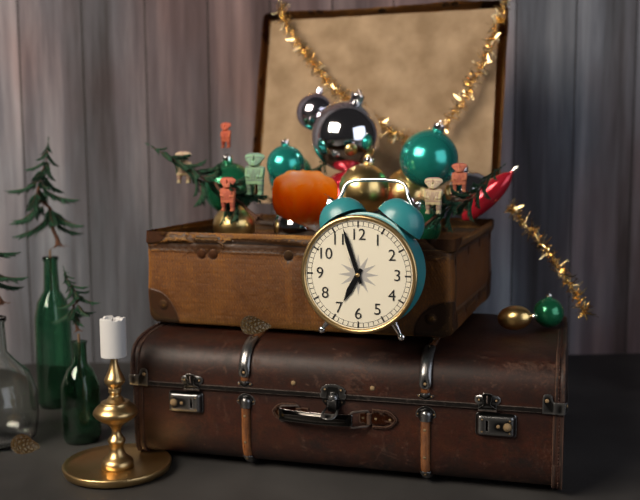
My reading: 6:57
